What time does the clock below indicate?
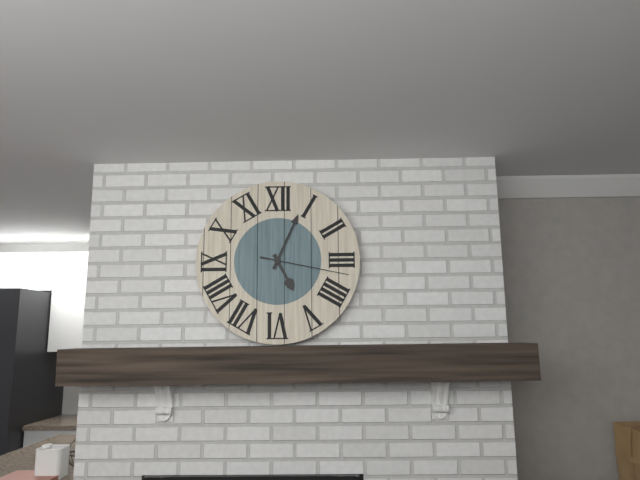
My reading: 5:04:17
